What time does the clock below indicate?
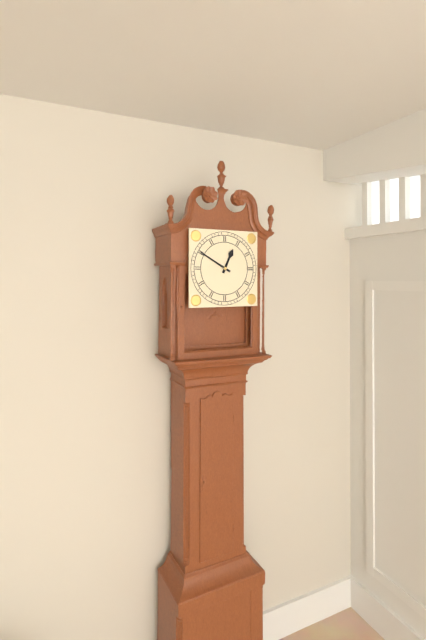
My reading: 12:50
